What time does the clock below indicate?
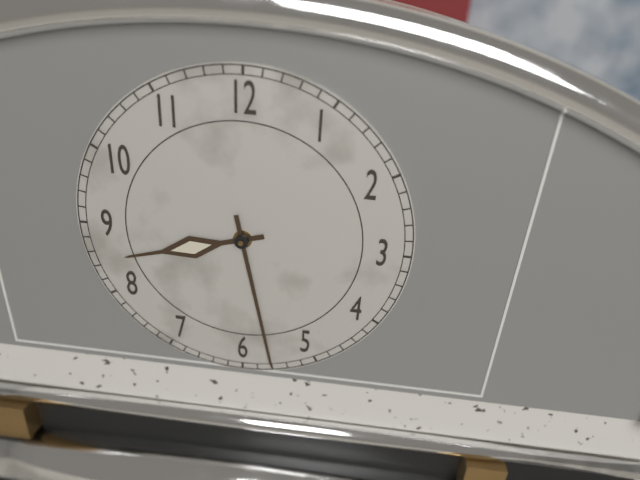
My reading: 8:28
